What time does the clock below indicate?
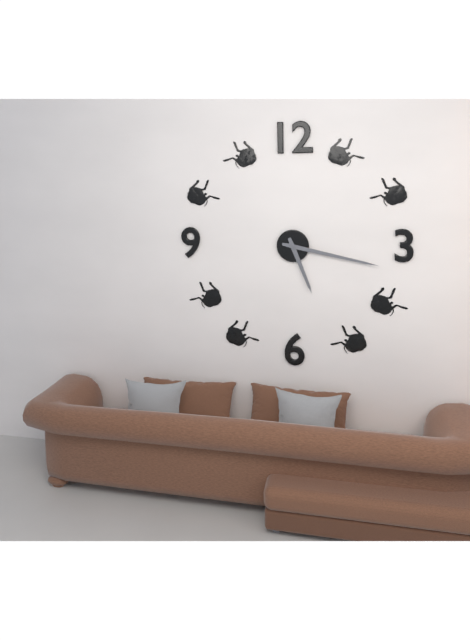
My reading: 5:17
